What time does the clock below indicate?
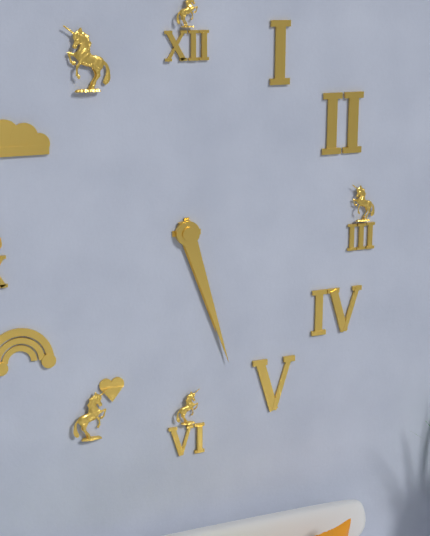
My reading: 5:27
